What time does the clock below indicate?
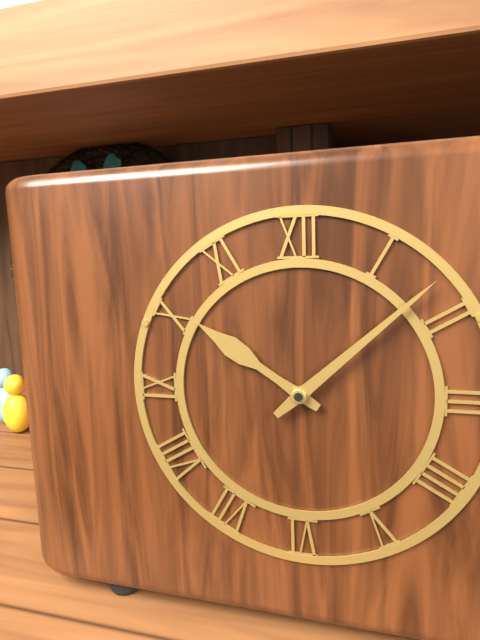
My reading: 10:08
